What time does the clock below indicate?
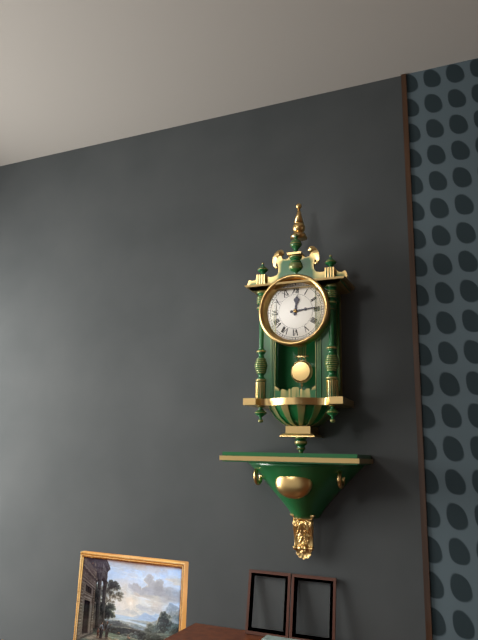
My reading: 12:14
